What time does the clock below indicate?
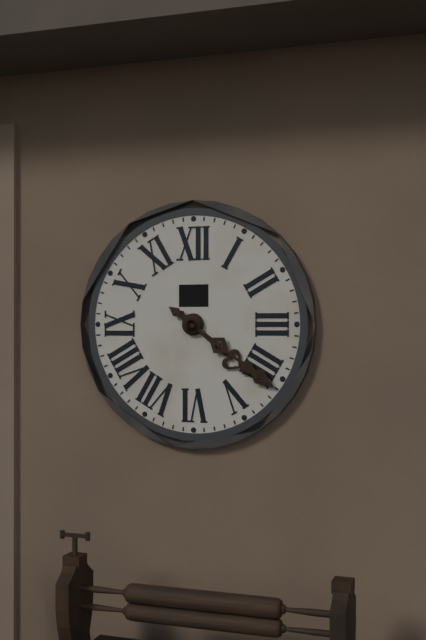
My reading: 4:21
